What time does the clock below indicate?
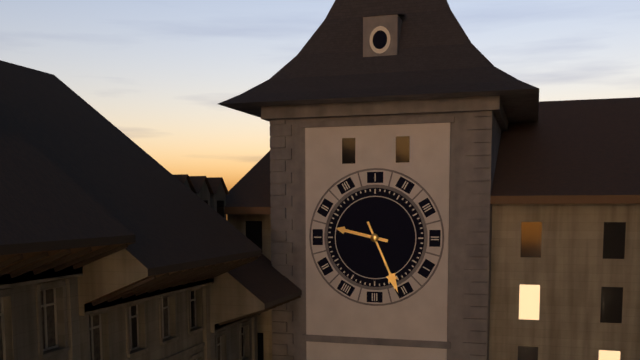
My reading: 9:26
